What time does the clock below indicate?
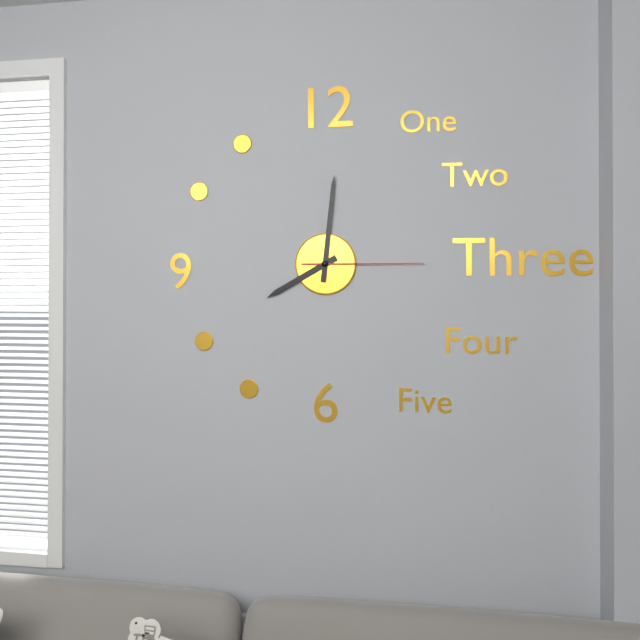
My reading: 8:01:15
